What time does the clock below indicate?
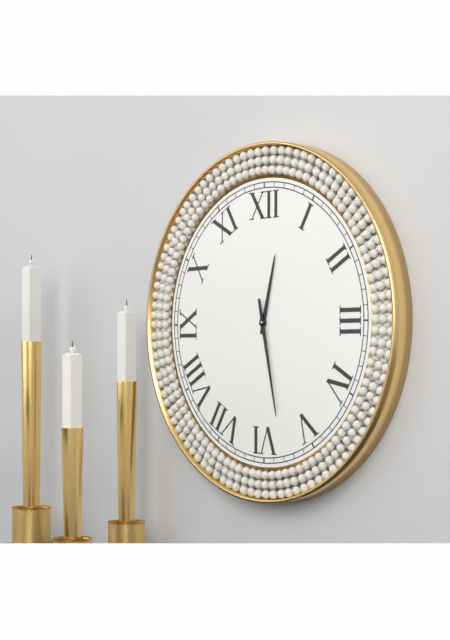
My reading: 12:28
